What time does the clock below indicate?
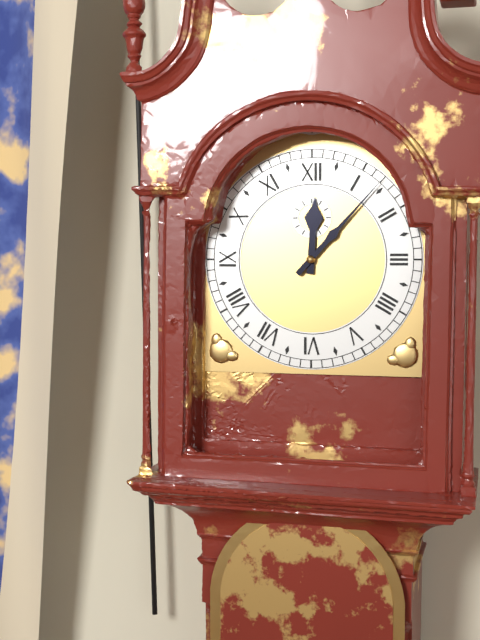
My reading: 12:07
